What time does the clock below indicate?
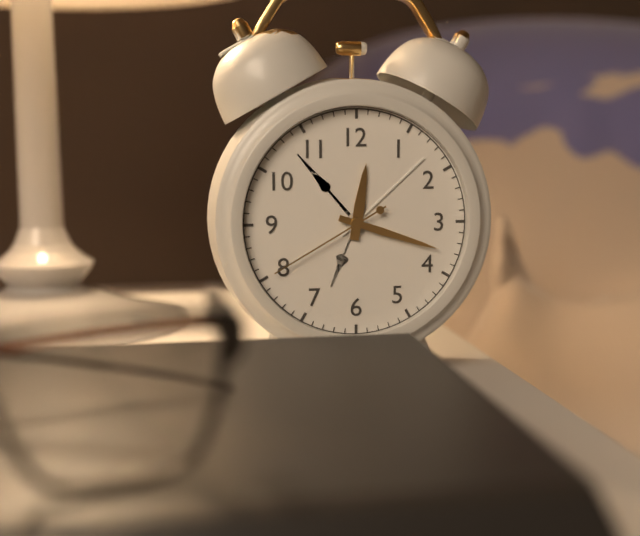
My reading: 12:18:40
